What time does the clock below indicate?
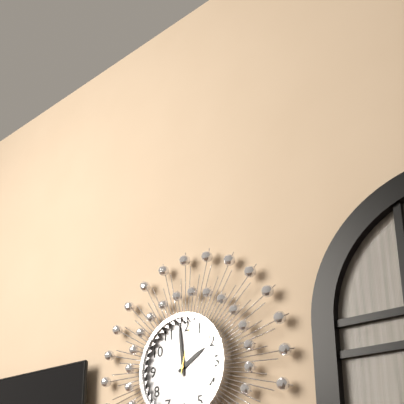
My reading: 1:59:02
